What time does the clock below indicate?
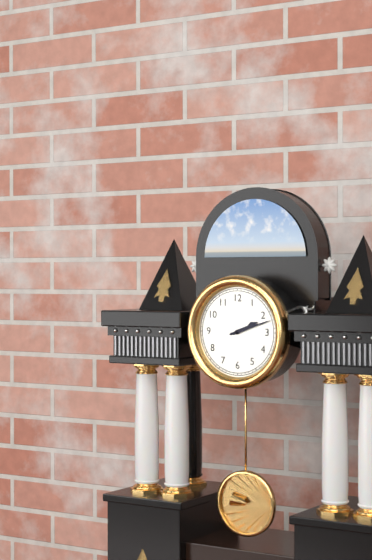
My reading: 2:12
